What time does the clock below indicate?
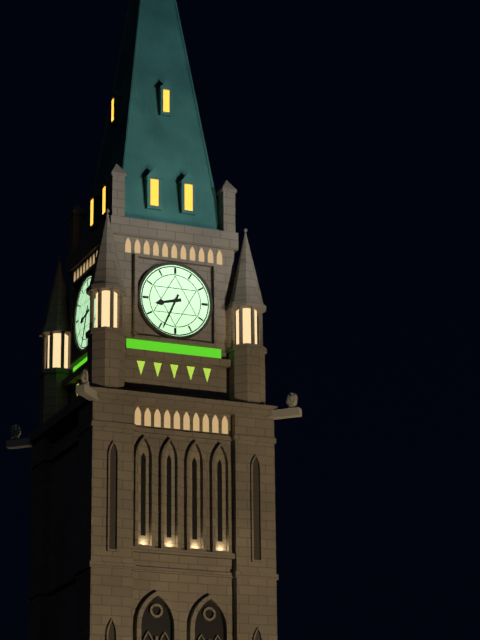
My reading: 8:34
